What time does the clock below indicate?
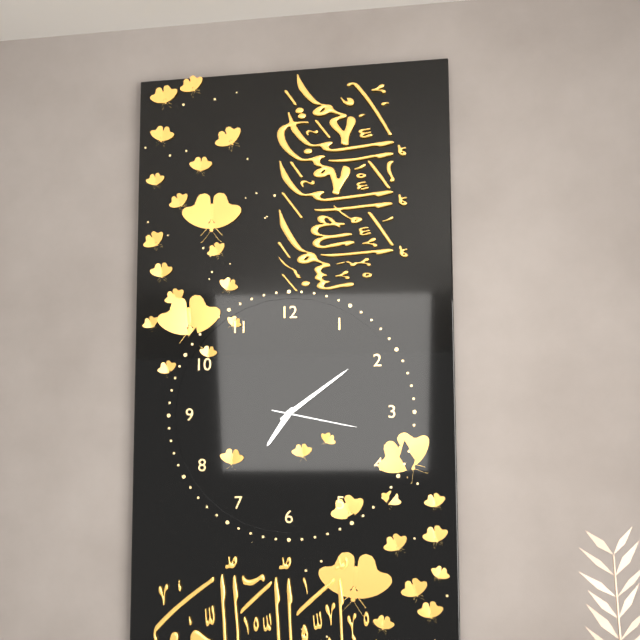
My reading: 7:09:17
